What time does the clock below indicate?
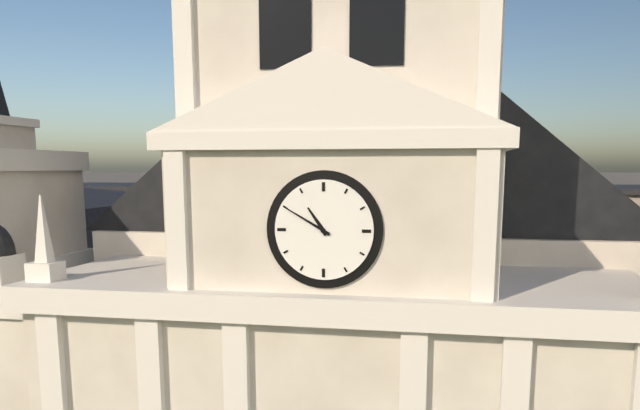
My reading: 10:50
